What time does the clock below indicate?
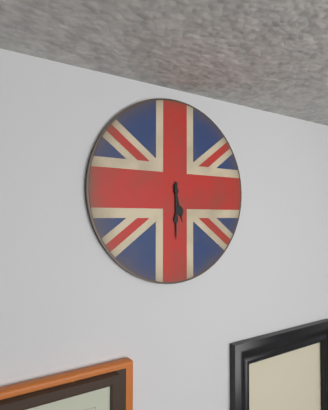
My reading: 5:30
